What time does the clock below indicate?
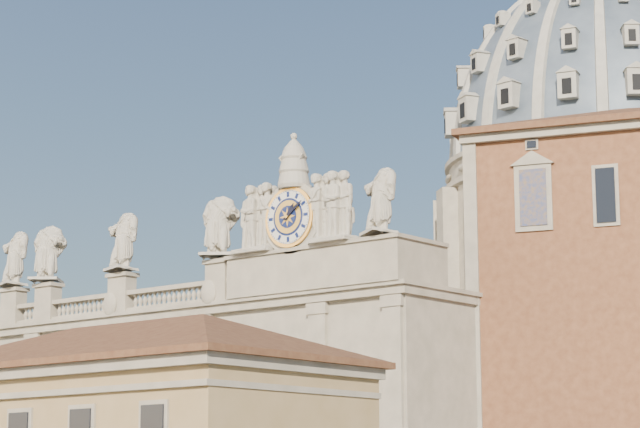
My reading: 1:09
